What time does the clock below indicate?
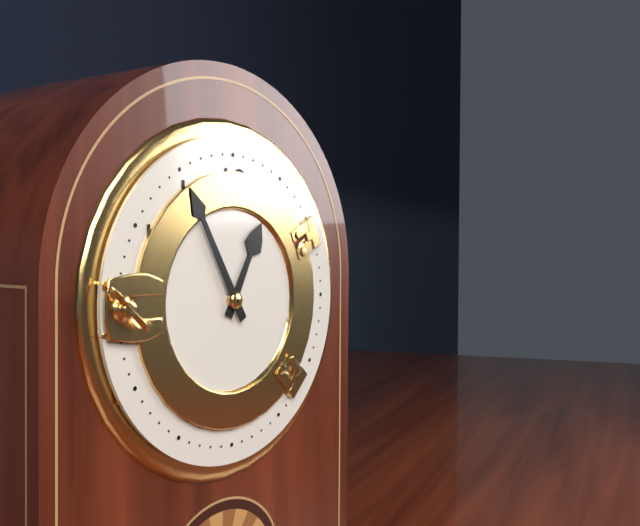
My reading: 12:55
